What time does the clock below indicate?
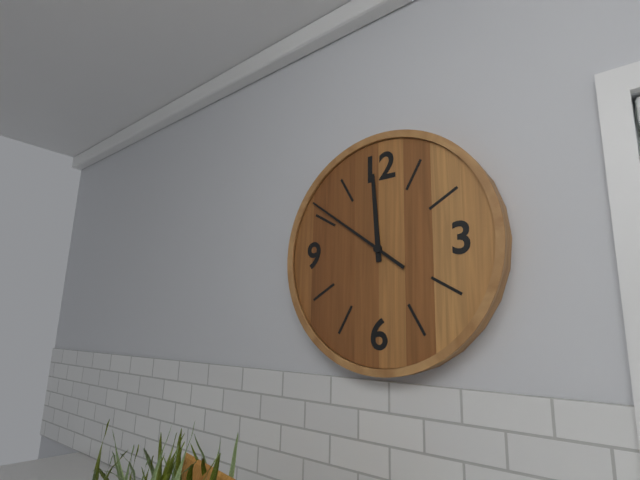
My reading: 11:51
